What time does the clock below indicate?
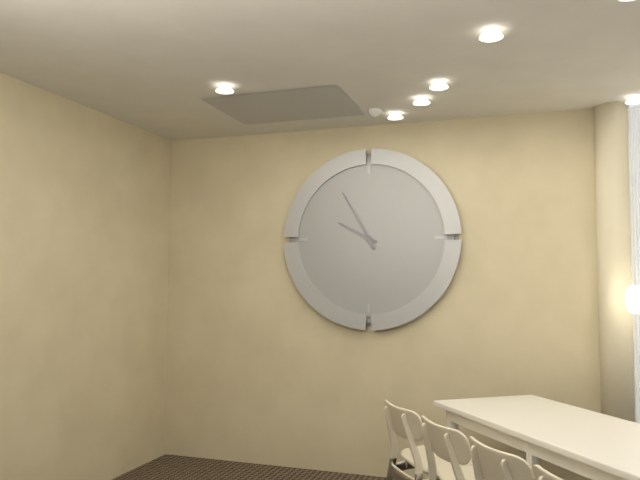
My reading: 9:55
